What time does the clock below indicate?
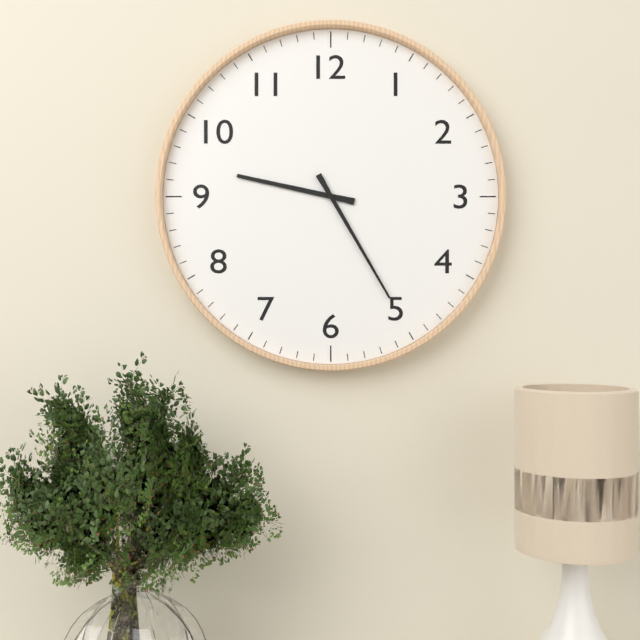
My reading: 9:25
